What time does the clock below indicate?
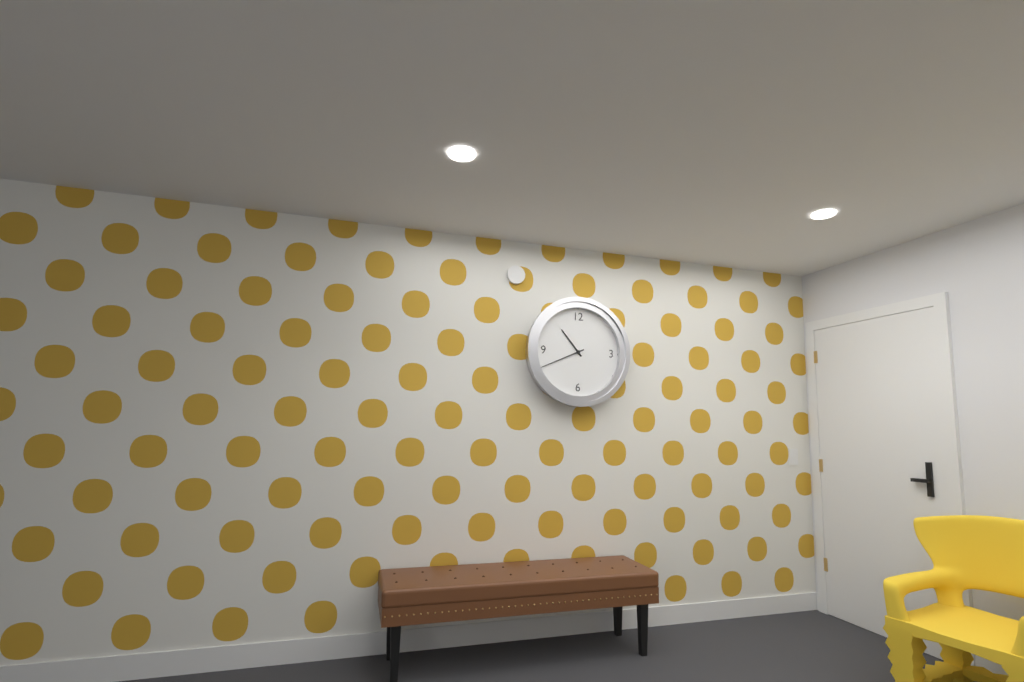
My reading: 10:41
